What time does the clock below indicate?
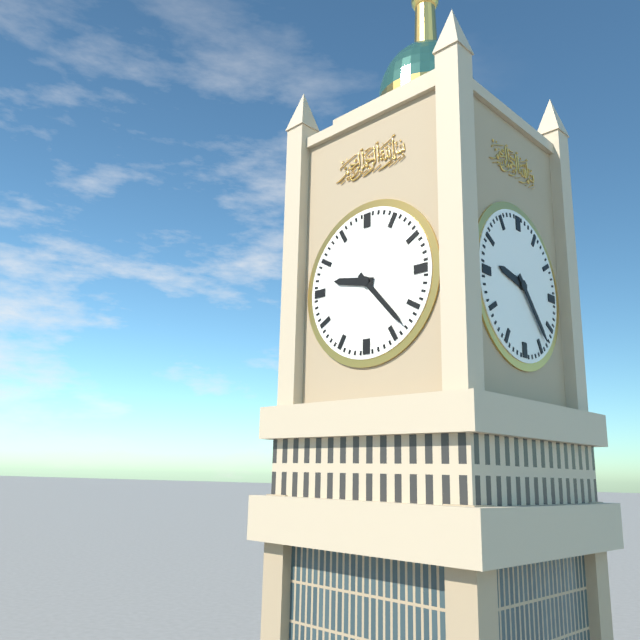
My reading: 9:23
